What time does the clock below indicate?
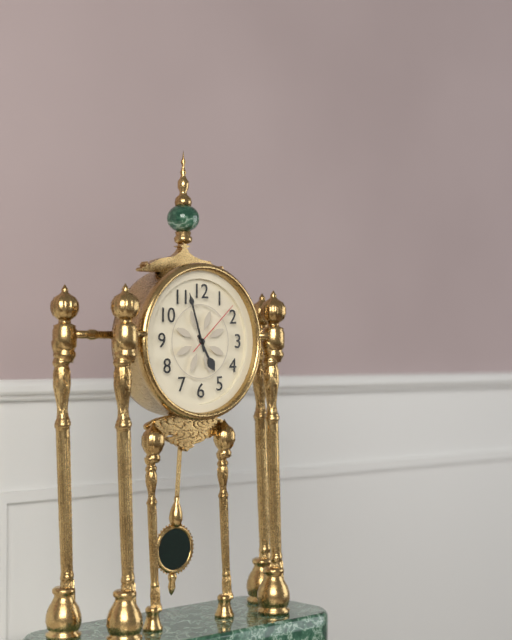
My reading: 4:57:08
